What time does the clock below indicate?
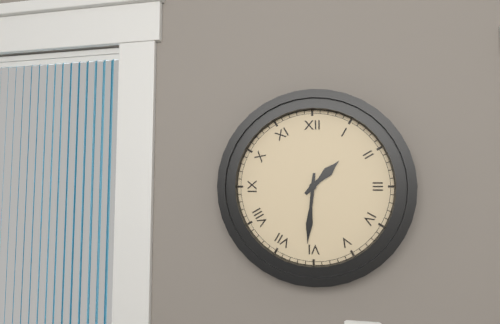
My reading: 1:31
